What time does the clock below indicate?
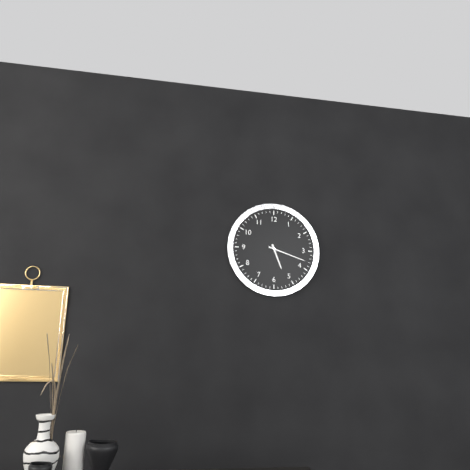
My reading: 5:18
